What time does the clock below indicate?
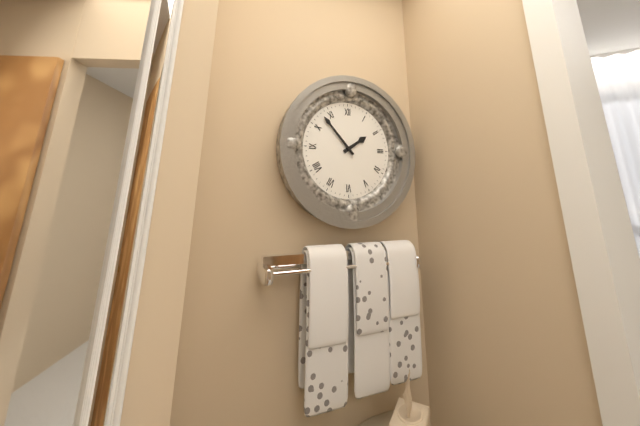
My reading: 1:53
